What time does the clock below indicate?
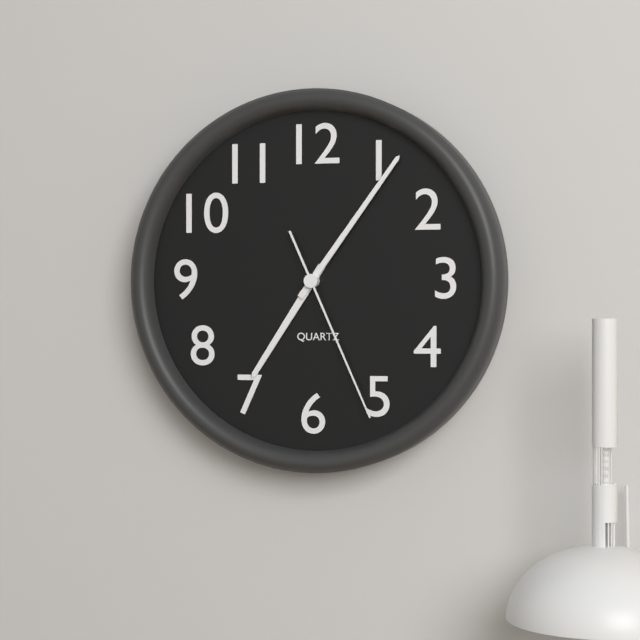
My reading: 7:06:26
